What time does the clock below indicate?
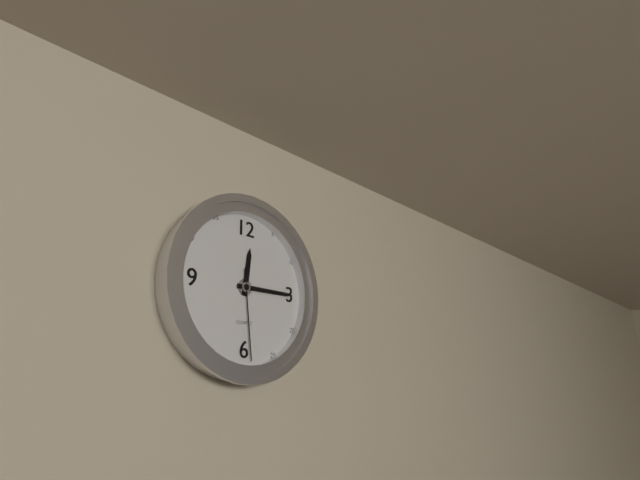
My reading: 12:15:29
